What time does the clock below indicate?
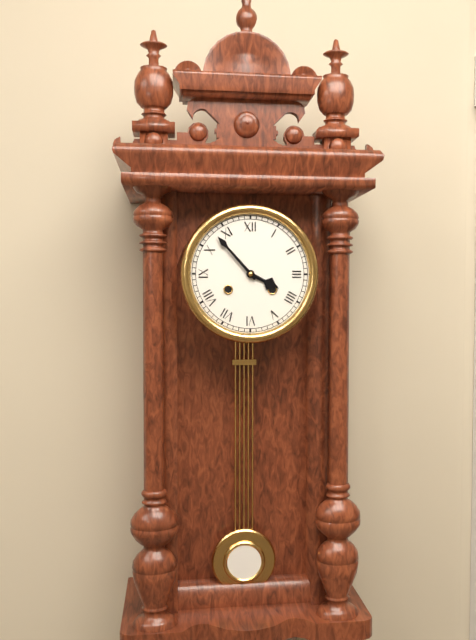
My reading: 3:53
